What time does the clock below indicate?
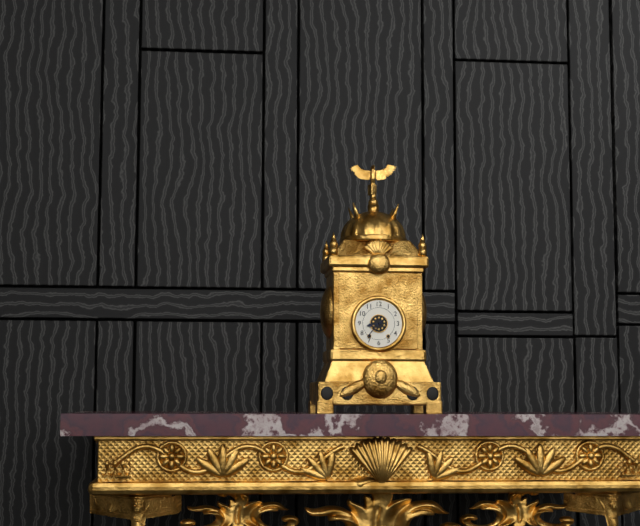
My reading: 8:37
